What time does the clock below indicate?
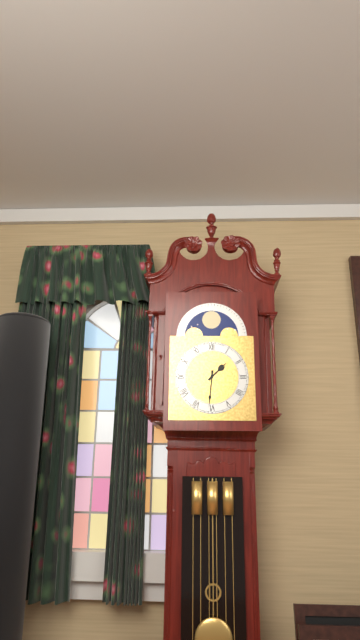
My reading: 1:31
